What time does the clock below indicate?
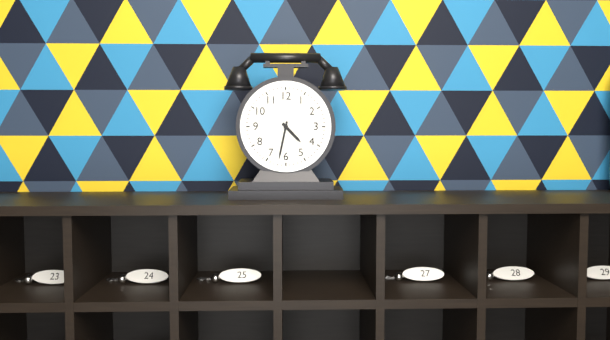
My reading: 4:32
